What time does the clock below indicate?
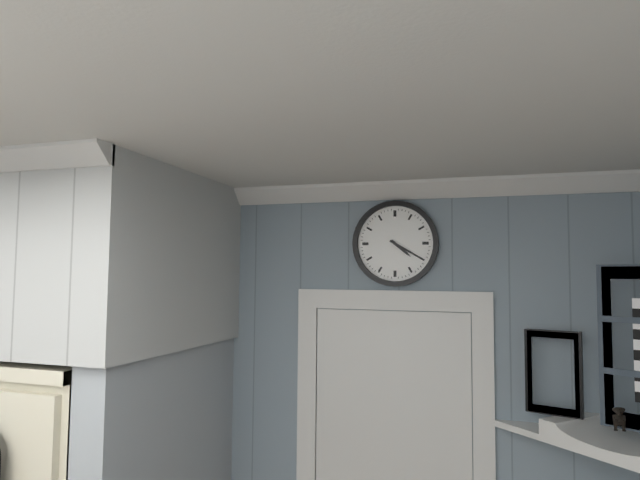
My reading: 4:20
